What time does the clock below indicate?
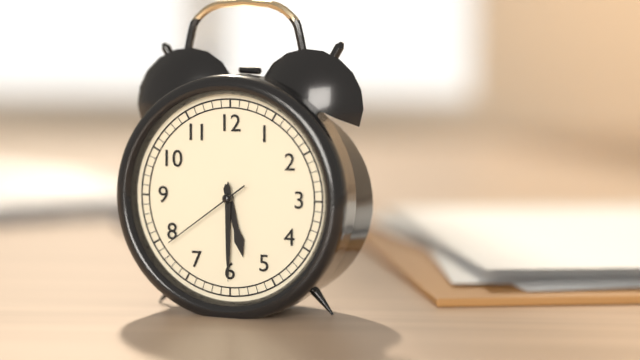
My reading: 5:30:39
